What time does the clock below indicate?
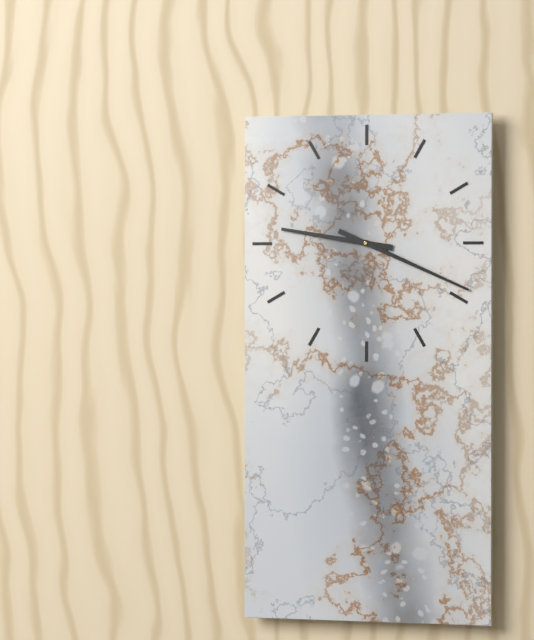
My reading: 9:19
